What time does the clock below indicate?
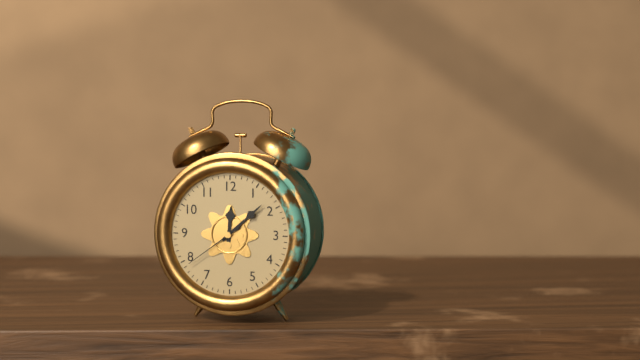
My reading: 12:08:39
